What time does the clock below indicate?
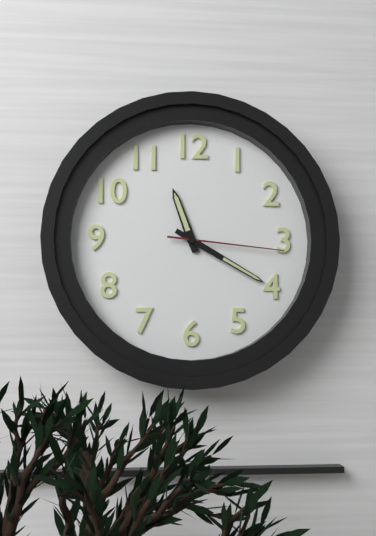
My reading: 11:20:16
